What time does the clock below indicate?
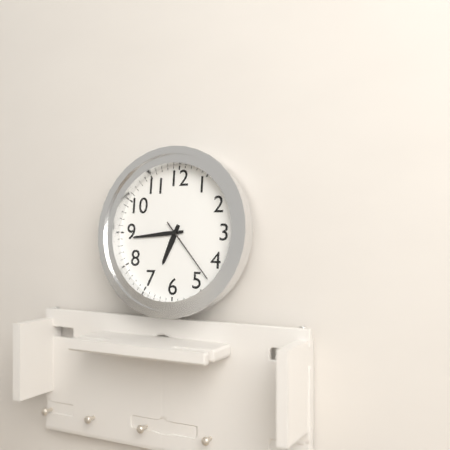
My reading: 6:44:23
